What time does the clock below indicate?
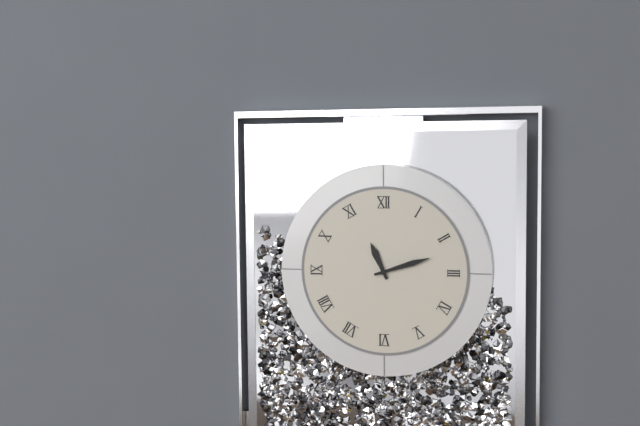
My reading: 11:12
